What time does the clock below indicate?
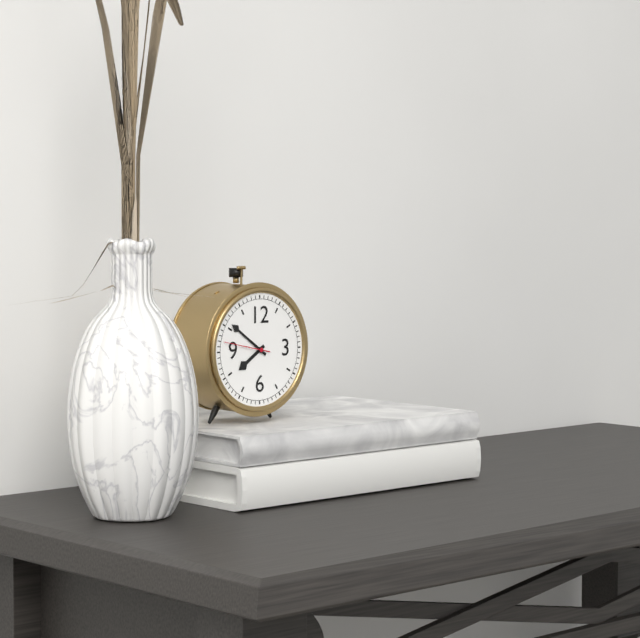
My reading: 7:51
